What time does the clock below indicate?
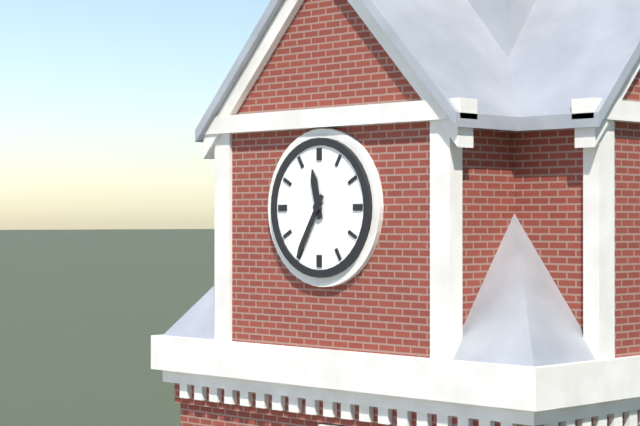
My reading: 11:35
